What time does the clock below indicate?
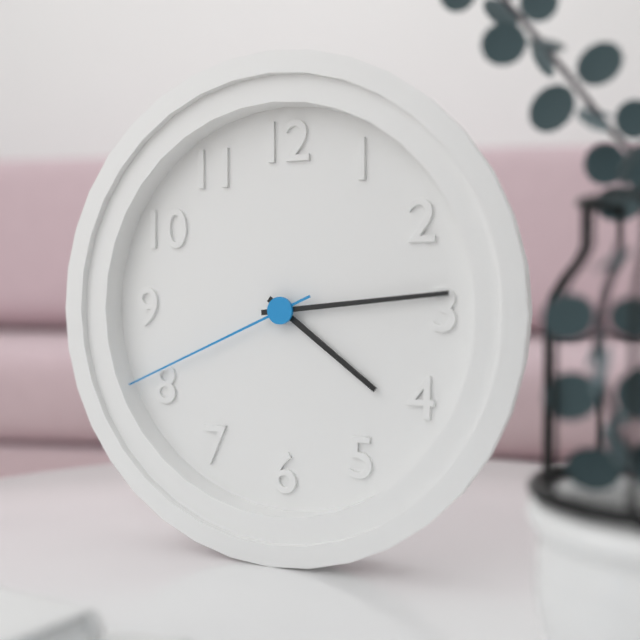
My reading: 4:14:41
